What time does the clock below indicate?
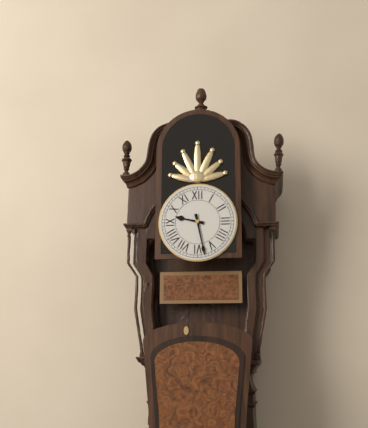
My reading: 9:28
